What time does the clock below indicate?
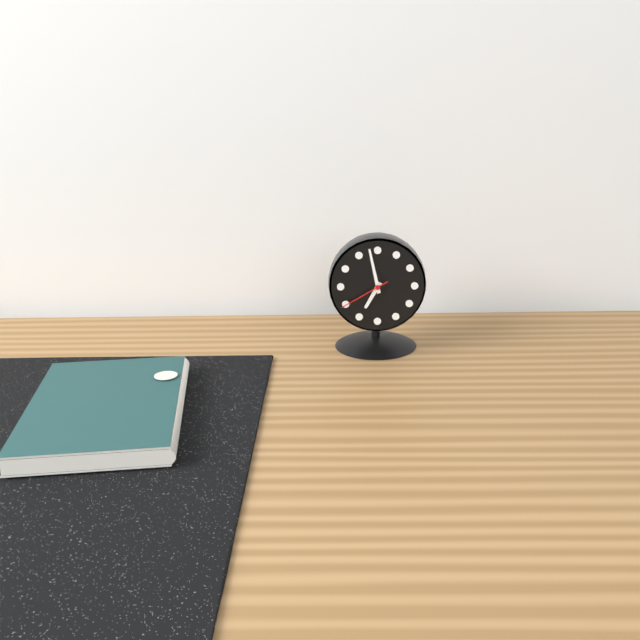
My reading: 6:58:40
